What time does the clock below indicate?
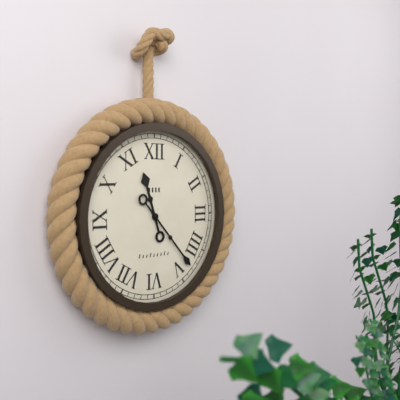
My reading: 11:23
